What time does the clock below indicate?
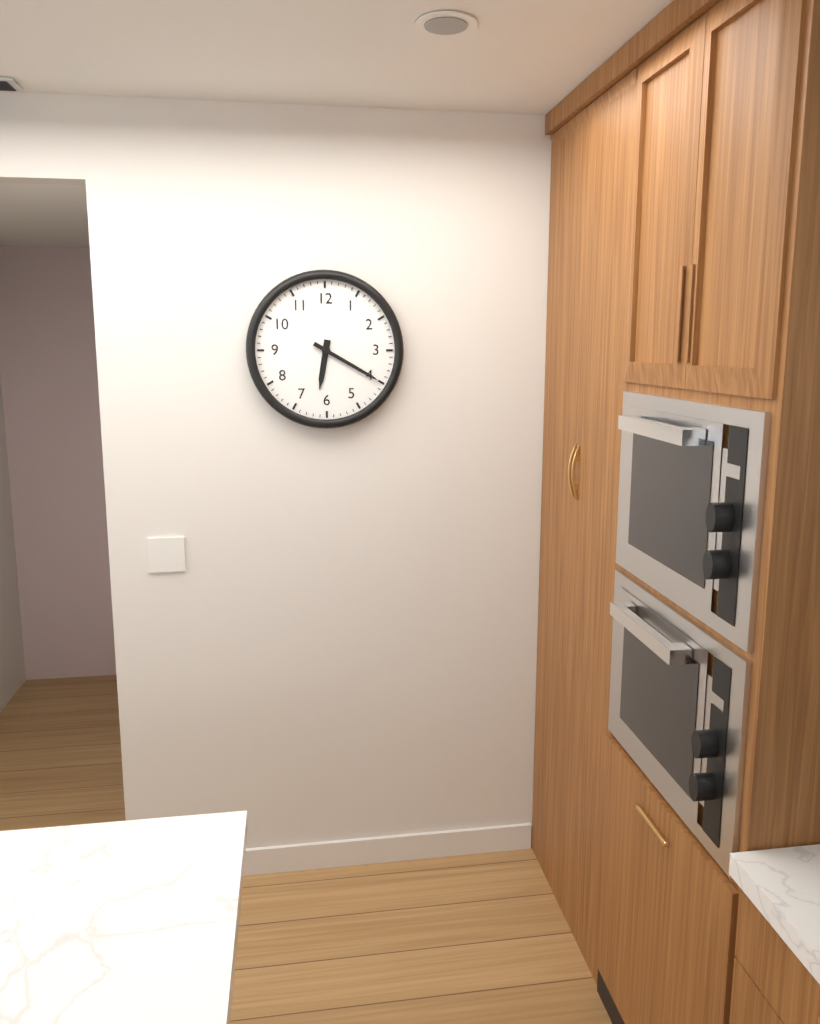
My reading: 6:20
